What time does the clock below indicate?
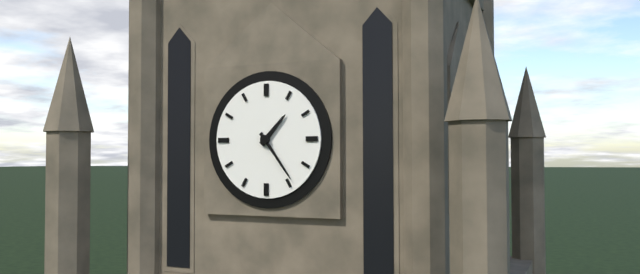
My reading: 1:24
